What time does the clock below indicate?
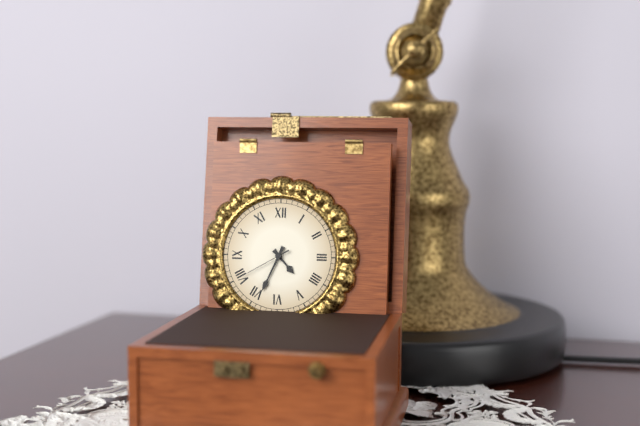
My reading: 4:34:40
